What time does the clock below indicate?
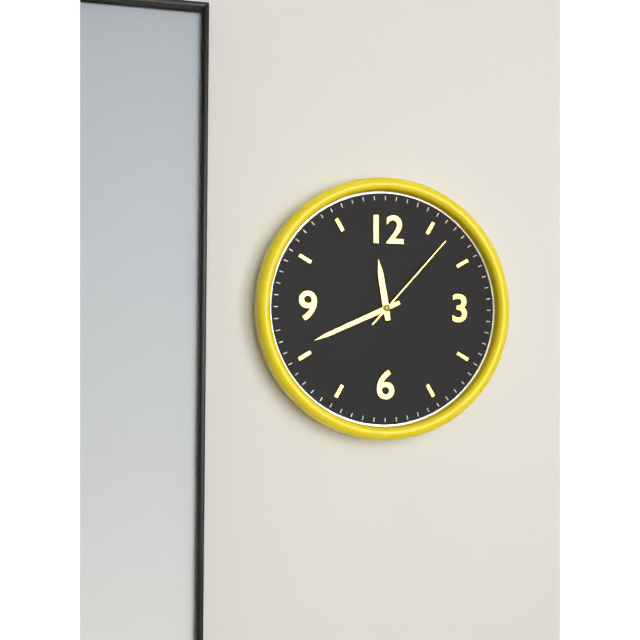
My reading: 11:41:07
